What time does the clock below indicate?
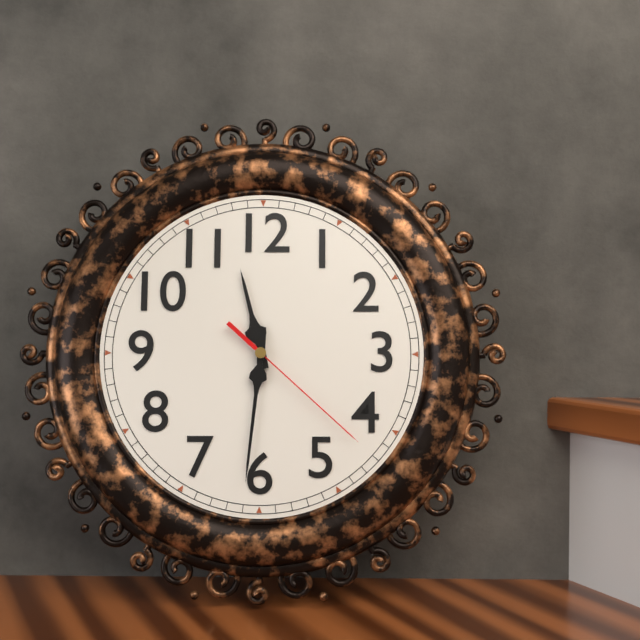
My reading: 11:31:22
